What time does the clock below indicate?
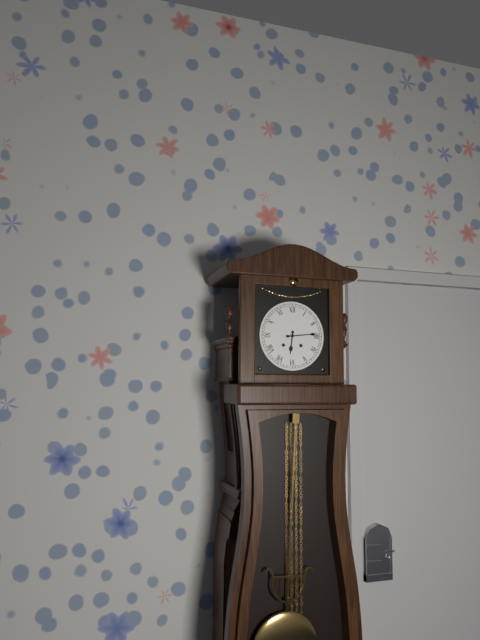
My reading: 6:14
